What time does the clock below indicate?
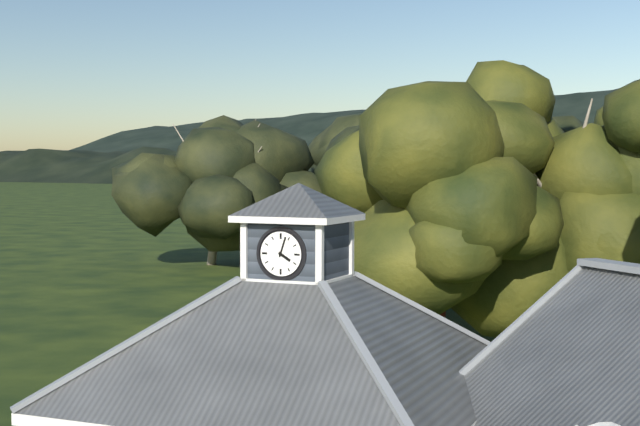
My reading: 4:03
